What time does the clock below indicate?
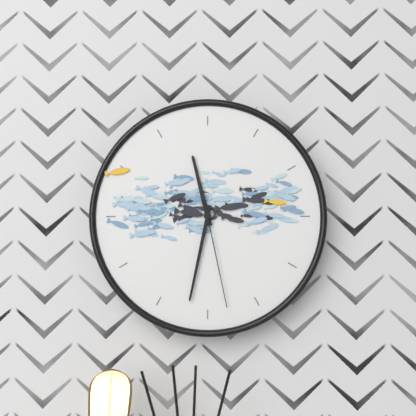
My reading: 11:32:28
